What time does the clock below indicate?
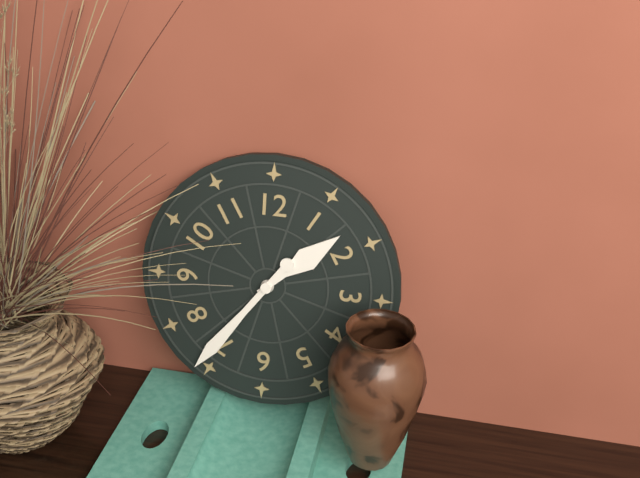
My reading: 1:36
